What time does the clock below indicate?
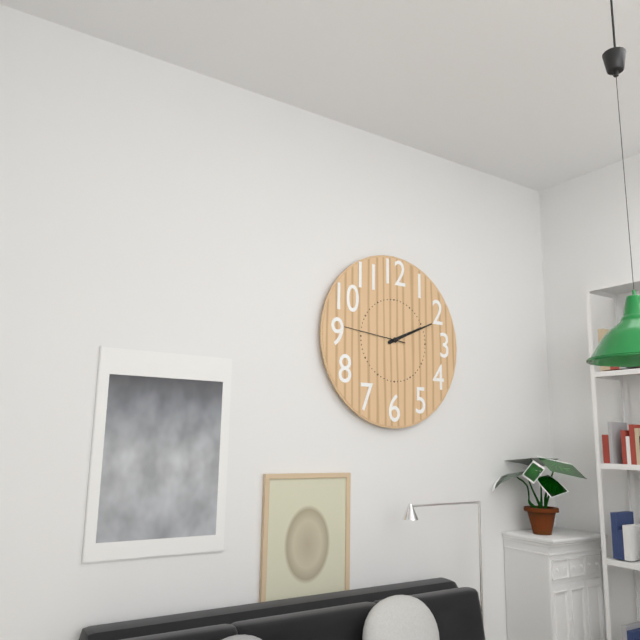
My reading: 2:11:46
